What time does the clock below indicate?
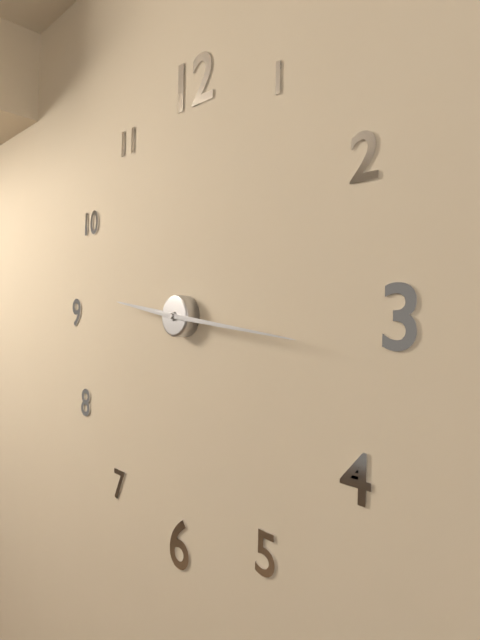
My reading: 9:16
